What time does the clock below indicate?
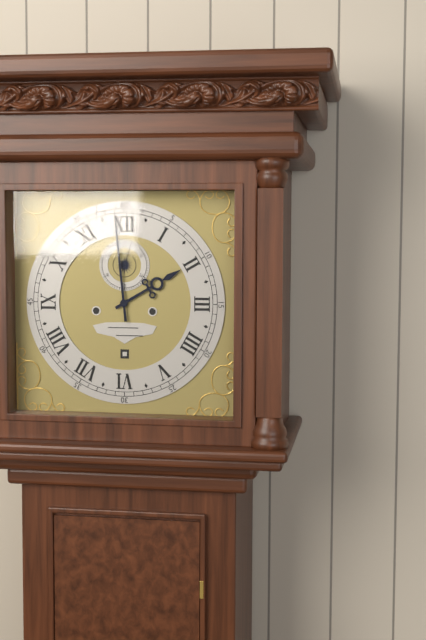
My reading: 1:59
